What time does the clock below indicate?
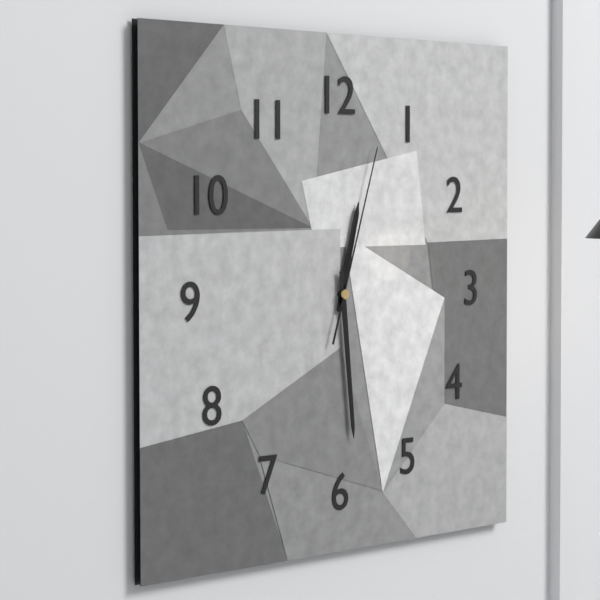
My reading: 12:29:03
